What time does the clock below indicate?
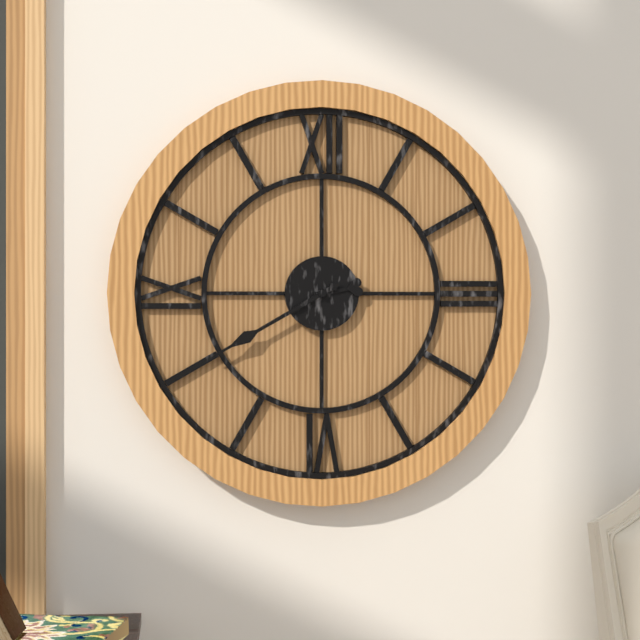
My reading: 2:40
